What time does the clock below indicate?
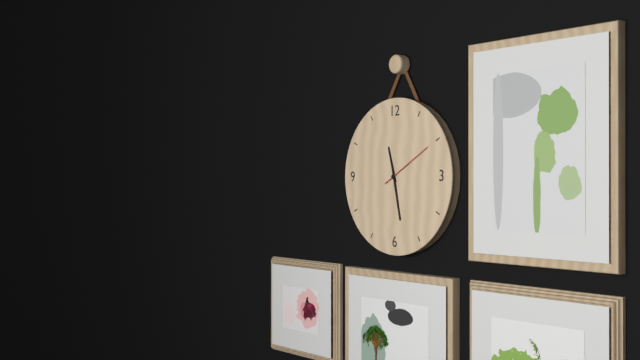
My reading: 11:28:10
